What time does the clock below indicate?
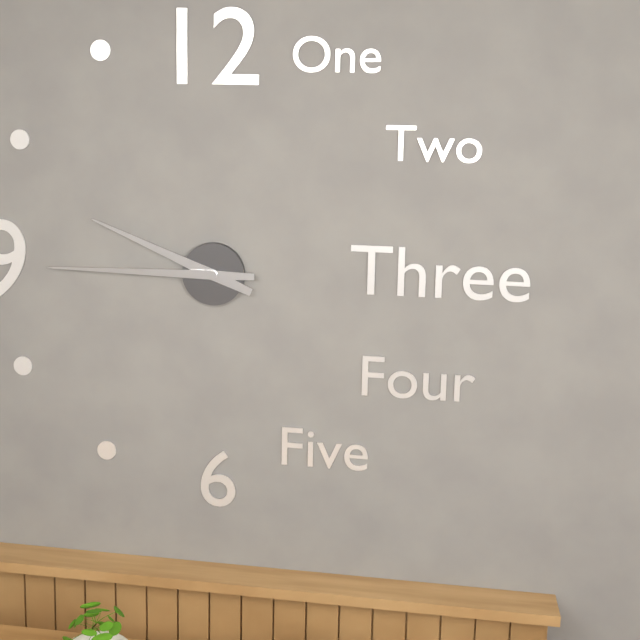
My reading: 9:45
